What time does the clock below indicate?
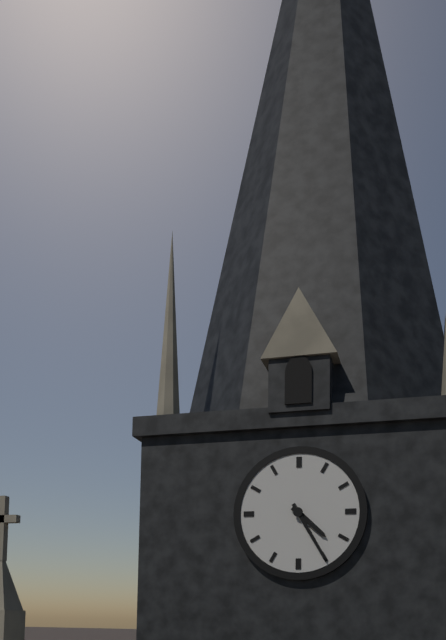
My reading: 4:25
